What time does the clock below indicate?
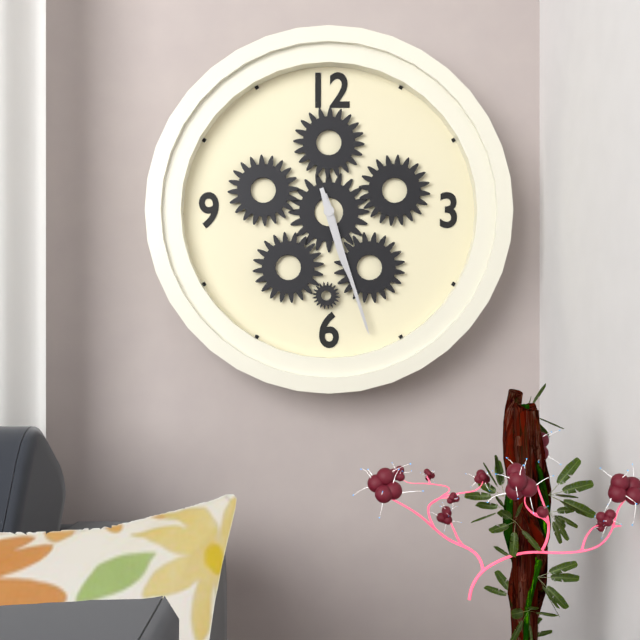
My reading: 5:27
